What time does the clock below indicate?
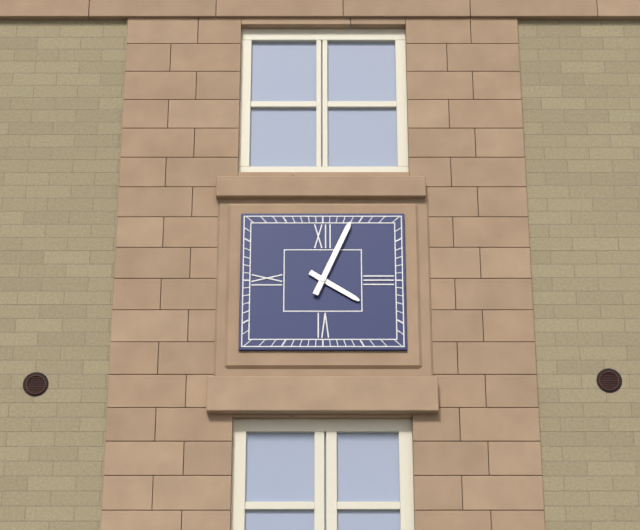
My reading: 4:04
